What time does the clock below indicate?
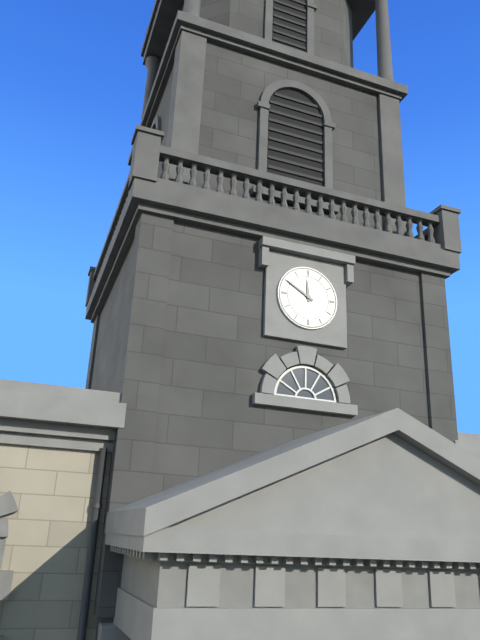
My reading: 11:50
